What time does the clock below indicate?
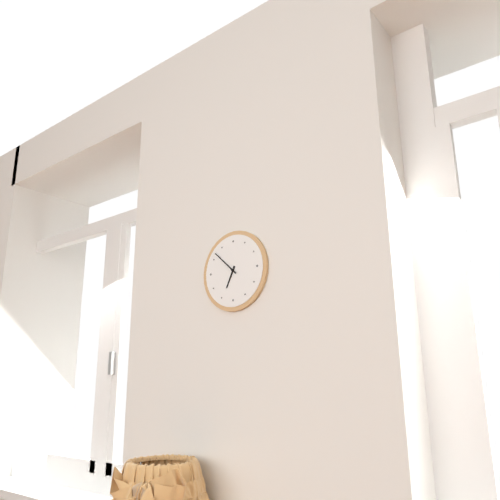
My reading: 6:52
